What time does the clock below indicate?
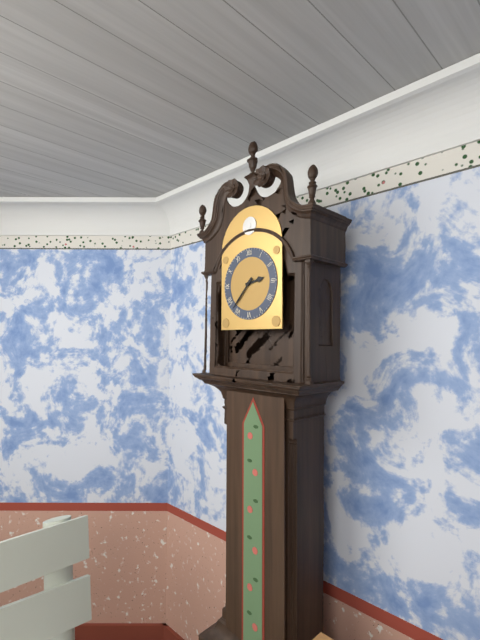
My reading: 2:37
